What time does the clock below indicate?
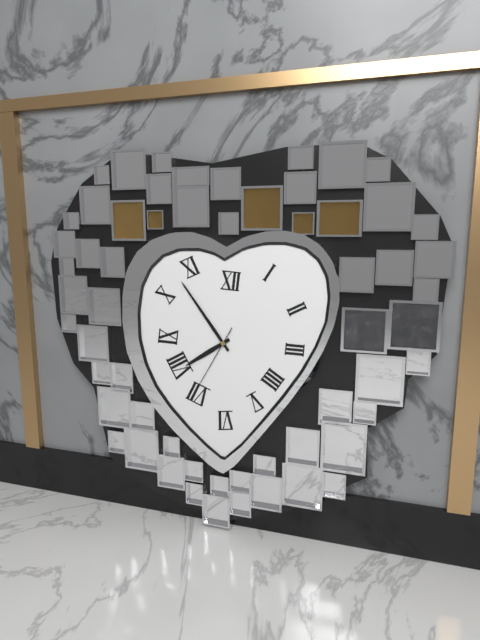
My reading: 7:54:35
